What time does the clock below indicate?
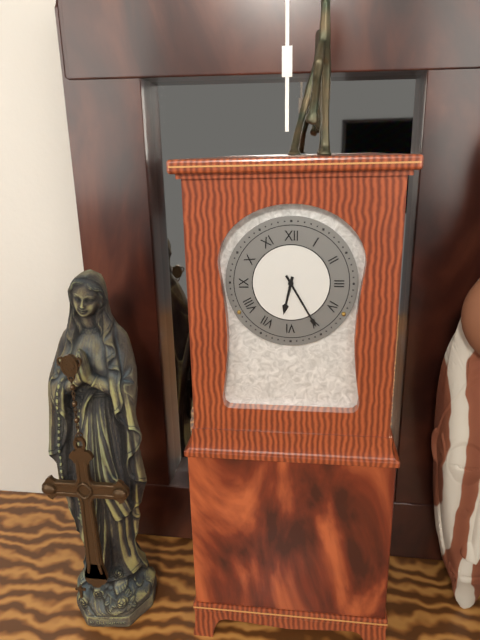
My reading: 6:25
